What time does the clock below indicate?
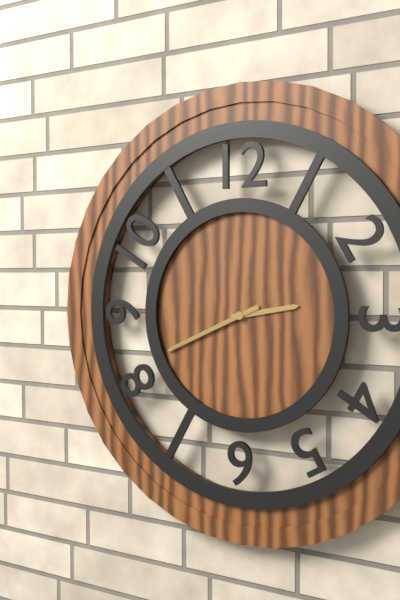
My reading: 2:41
